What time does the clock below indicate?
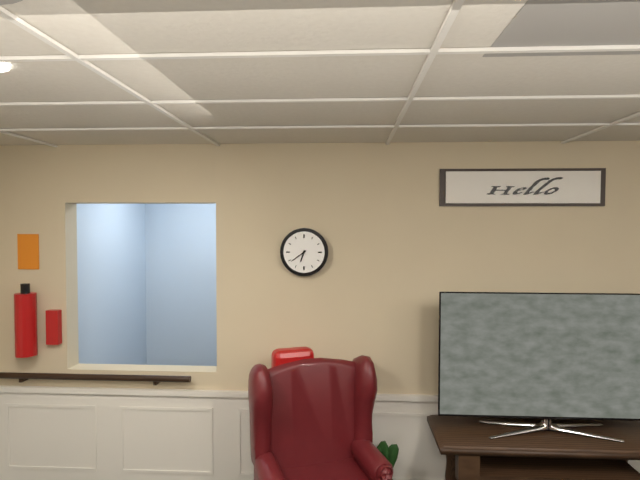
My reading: 6:39
